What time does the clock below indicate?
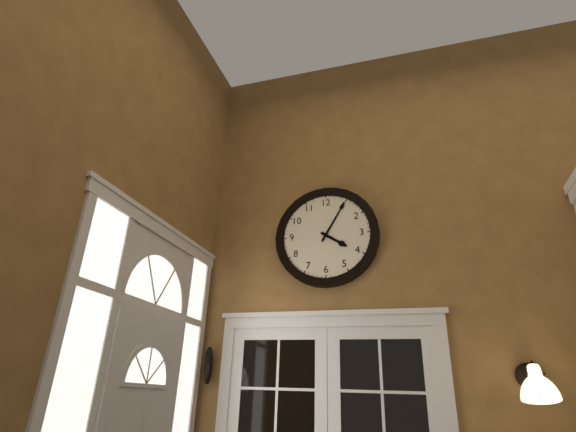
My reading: 4:05
